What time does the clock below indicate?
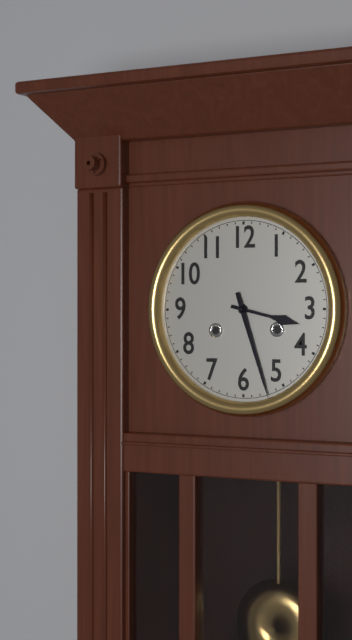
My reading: 3:27
